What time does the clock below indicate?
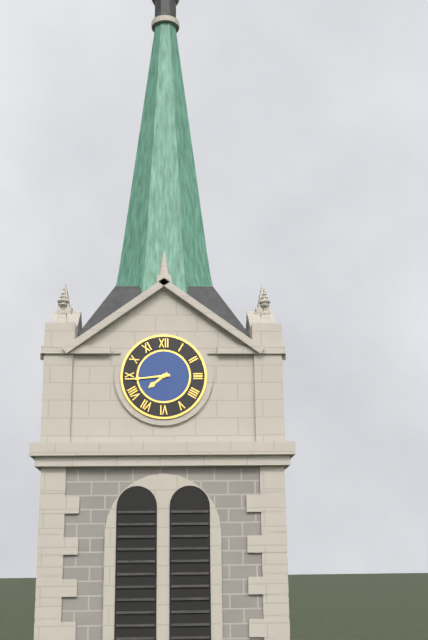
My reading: 7:44
